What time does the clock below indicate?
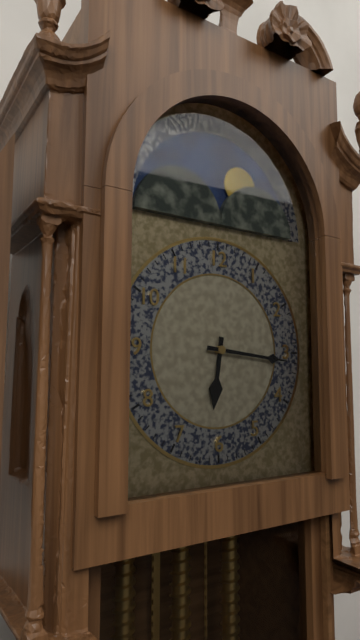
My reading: 6:16
